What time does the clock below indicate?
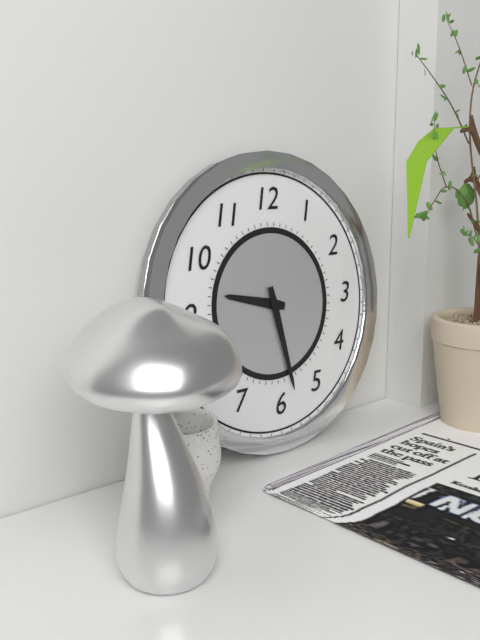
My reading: 9:28
